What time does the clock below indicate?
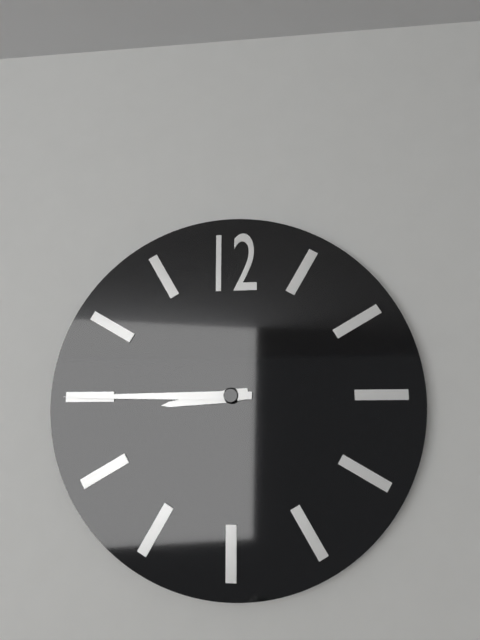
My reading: 8:45
